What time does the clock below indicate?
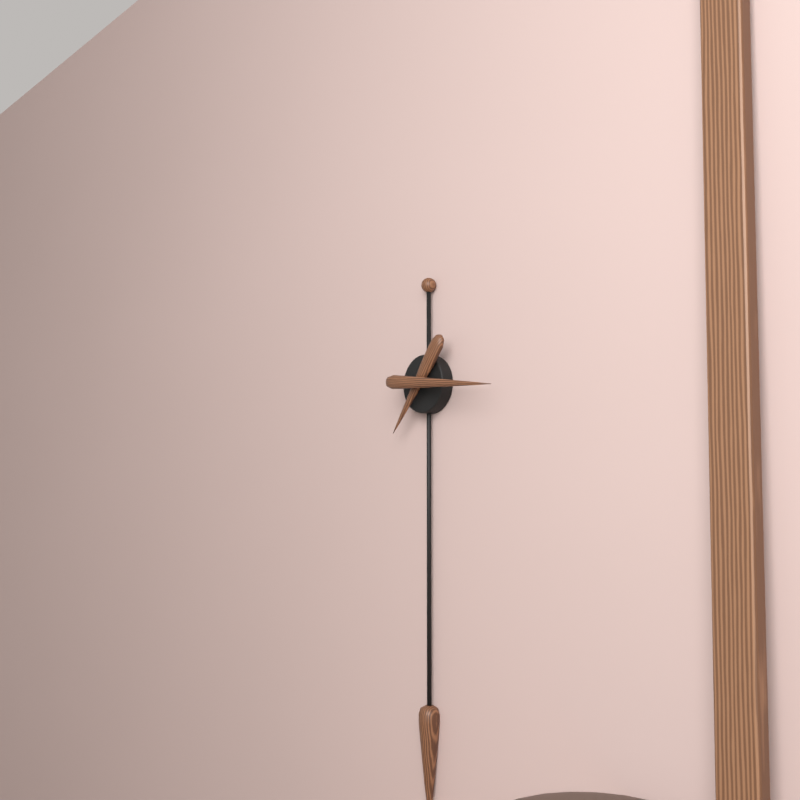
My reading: 7:16
